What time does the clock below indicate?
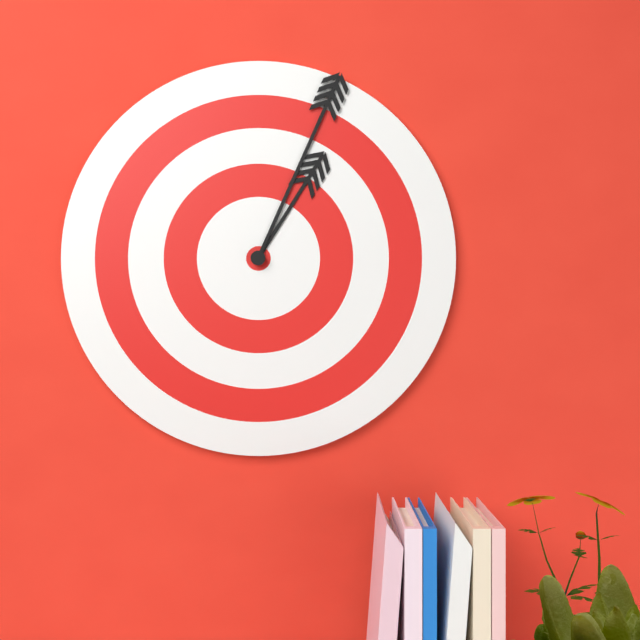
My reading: 1:04
